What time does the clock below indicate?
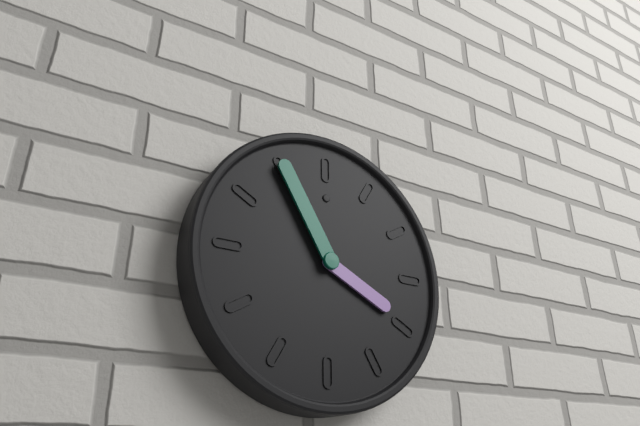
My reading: 3:55
